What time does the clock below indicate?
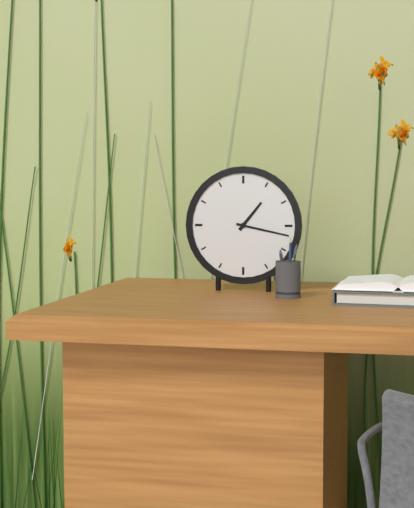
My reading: 1:17
